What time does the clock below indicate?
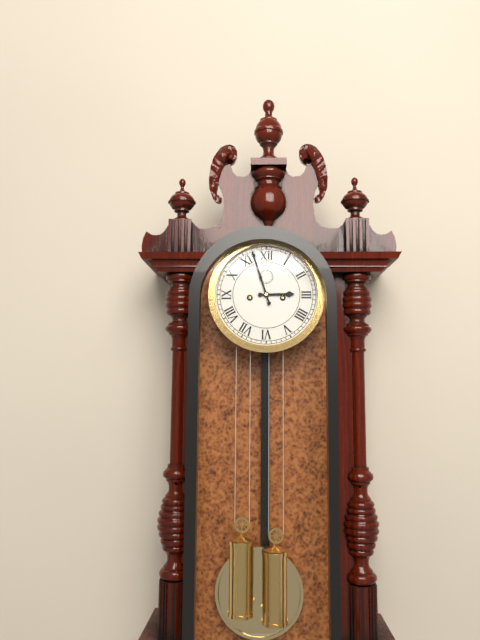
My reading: 2:57
